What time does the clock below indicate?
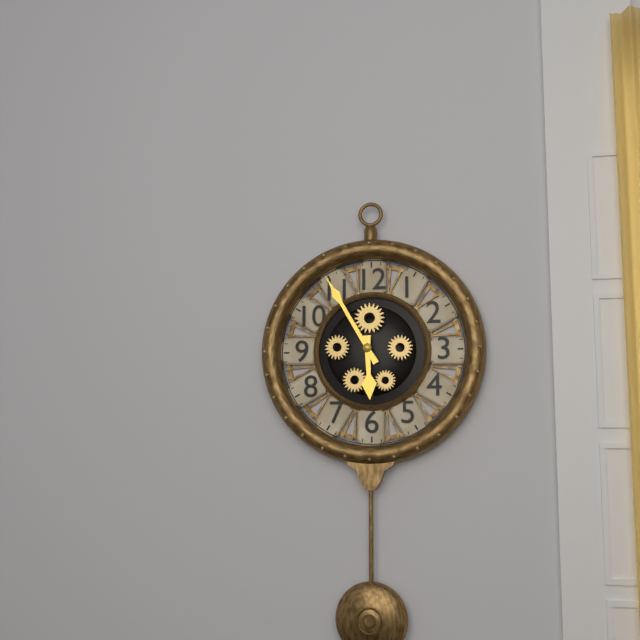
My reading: 5:55
